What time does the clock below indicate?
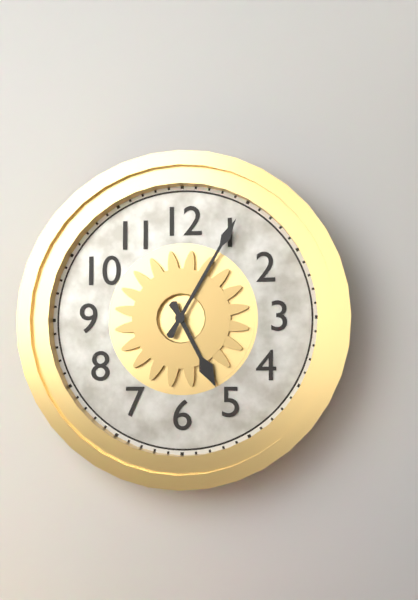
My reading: 5:05
